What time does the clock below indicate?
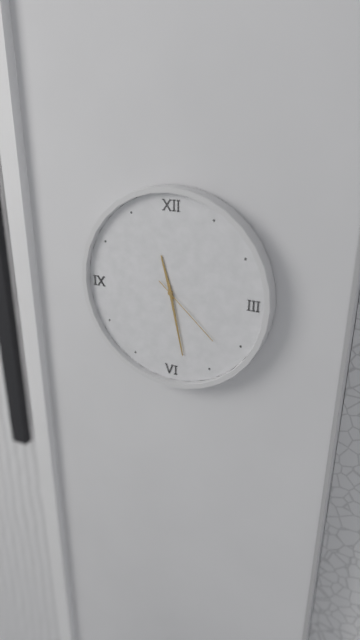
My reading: 11:28:22
